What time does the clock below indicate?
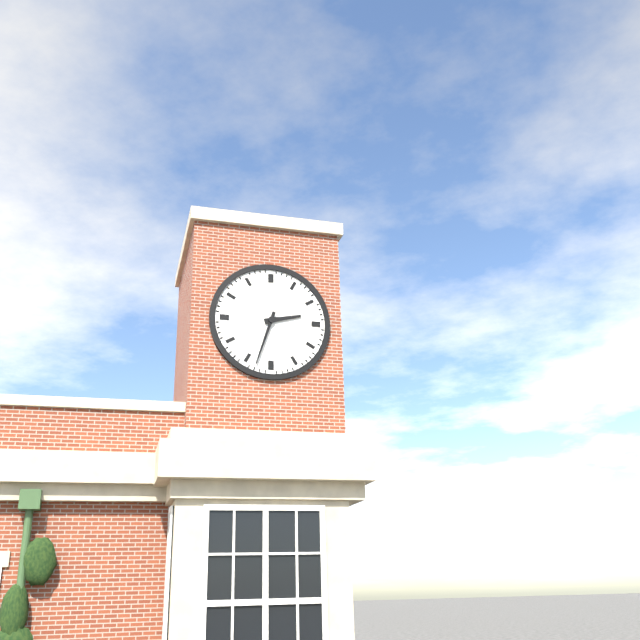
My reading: 2:33
